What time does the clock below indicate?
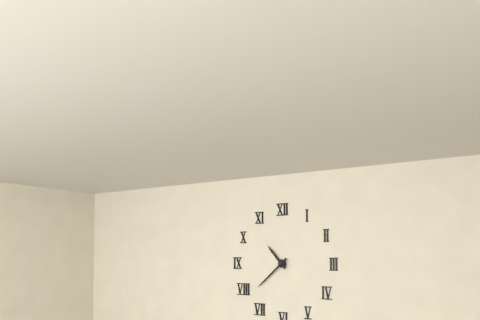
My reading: 10:38
